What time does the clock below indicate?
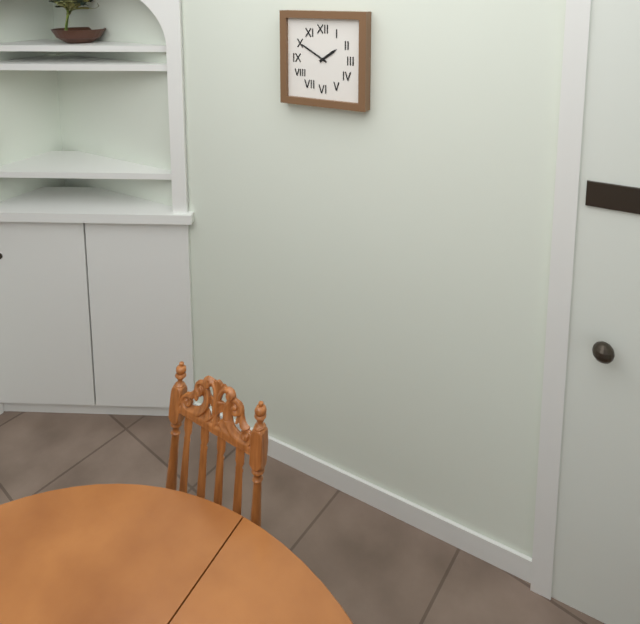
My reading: 1:50
